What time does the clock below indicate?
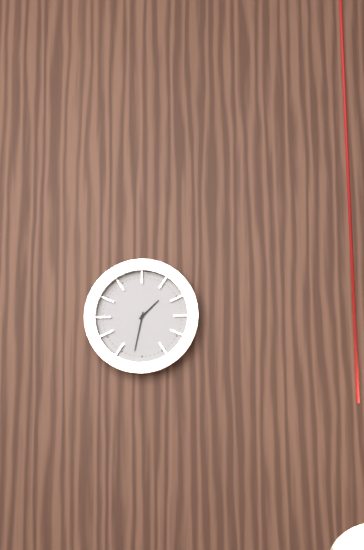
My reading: 1:32
